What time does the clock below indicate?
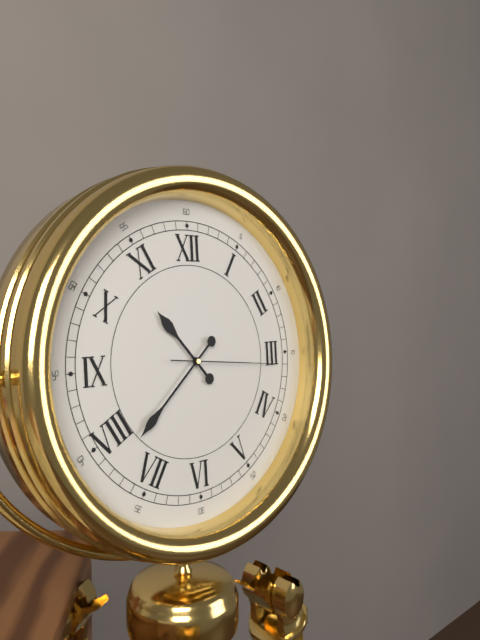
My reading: 10:38:16
